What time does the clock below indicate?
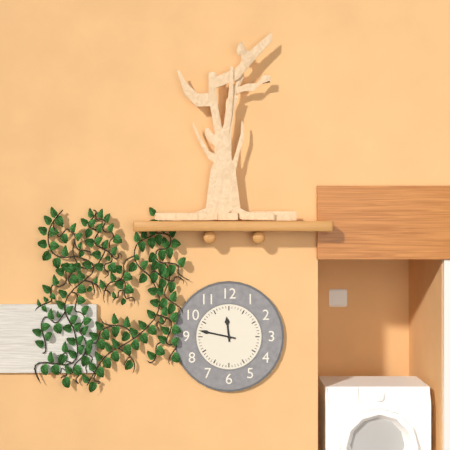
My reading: 11:47
